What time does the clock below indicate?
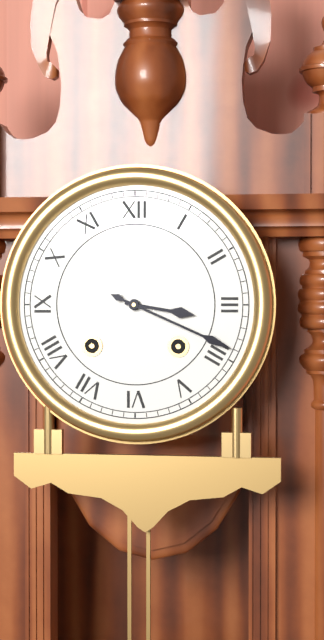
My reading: 3:19
